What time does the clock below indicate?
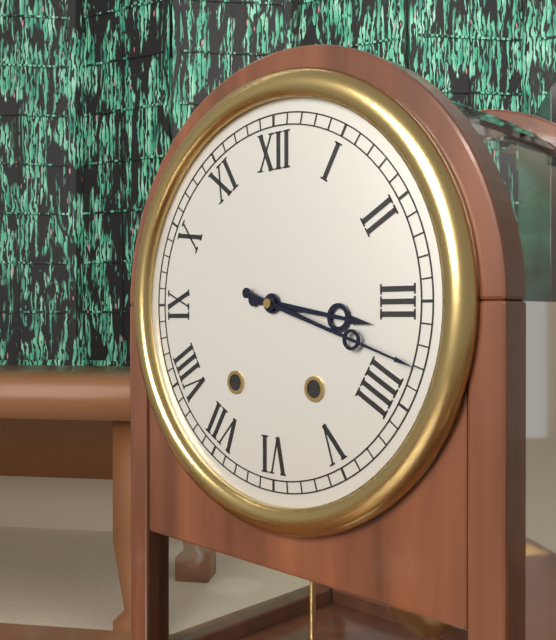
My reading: 3:18
